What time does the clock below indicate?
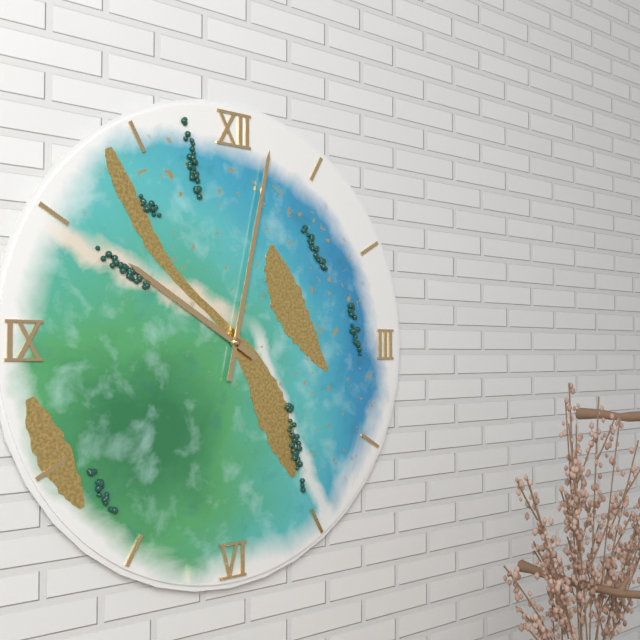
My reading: 10:02
